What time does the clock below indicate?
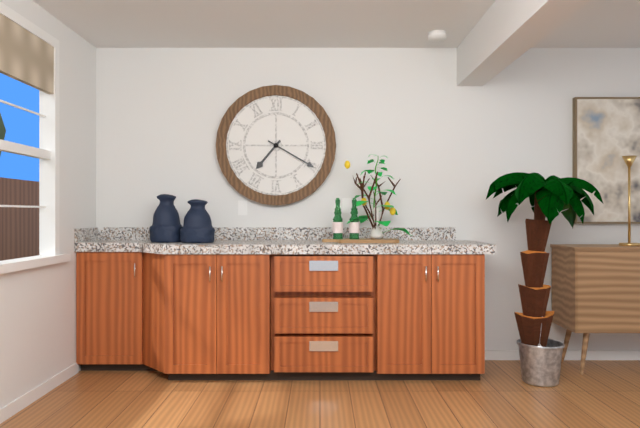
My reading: 7:20
